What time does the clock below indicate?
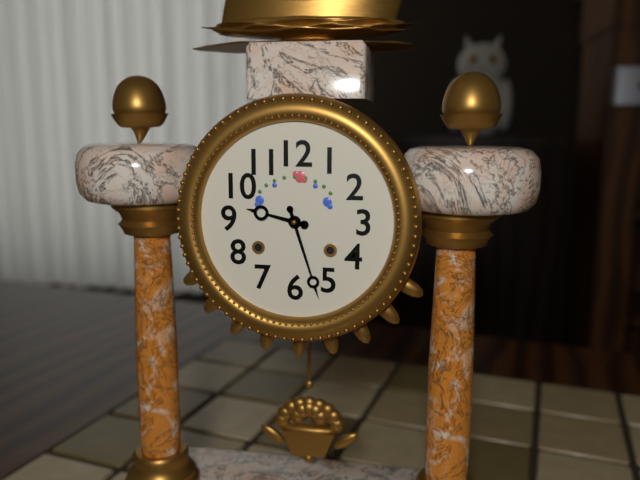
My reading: 9:27
